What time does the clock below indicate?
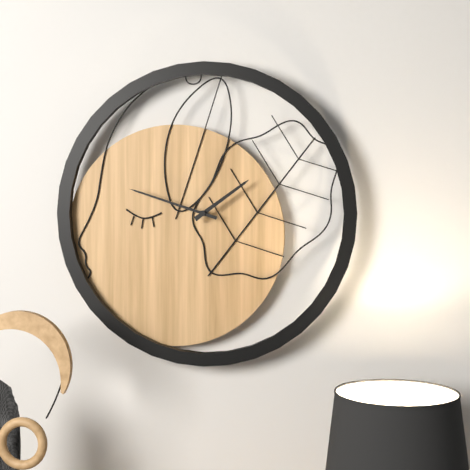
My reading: 1:48
